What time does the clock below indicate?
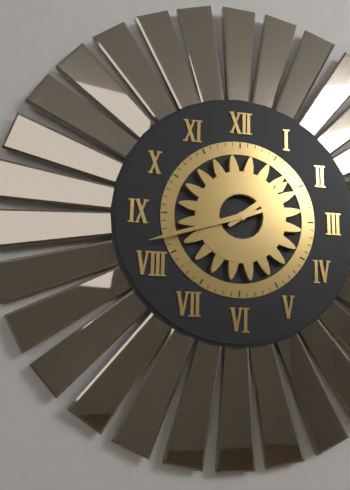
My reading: 1:42
